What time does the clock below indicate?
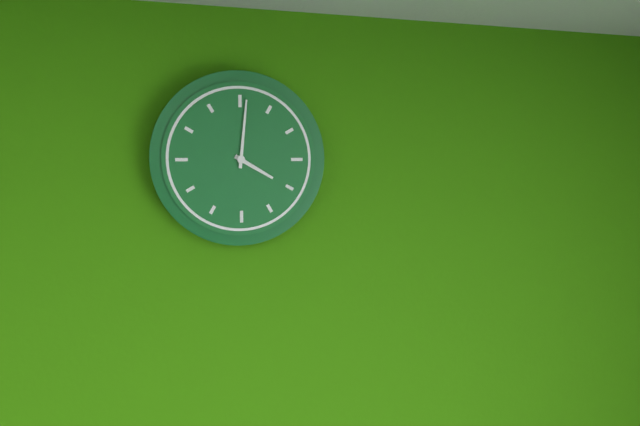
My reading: 4:01
